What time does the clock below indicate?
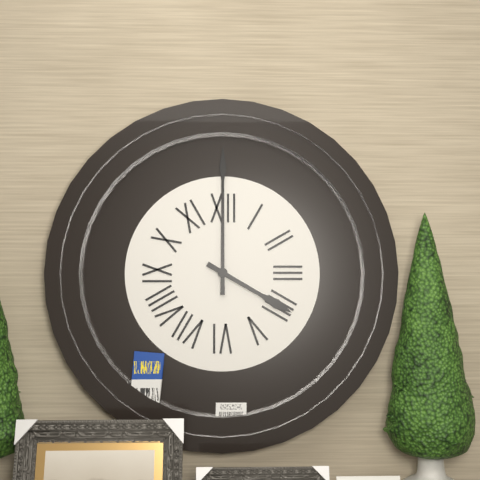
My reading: 4:00
